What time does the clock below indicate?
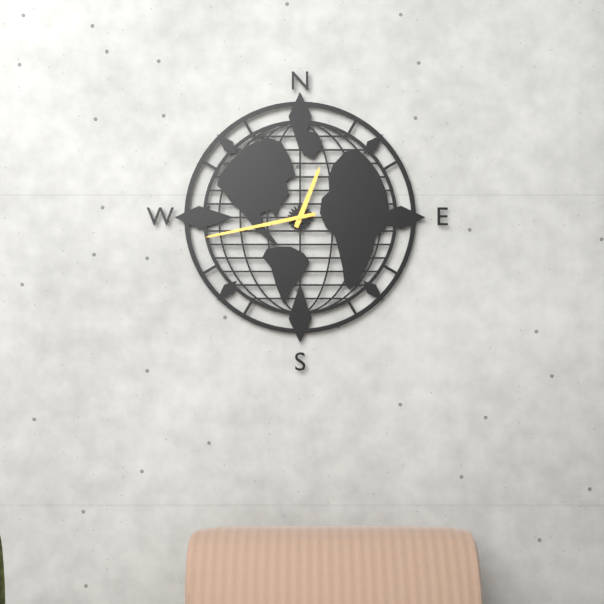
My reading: 12:43
